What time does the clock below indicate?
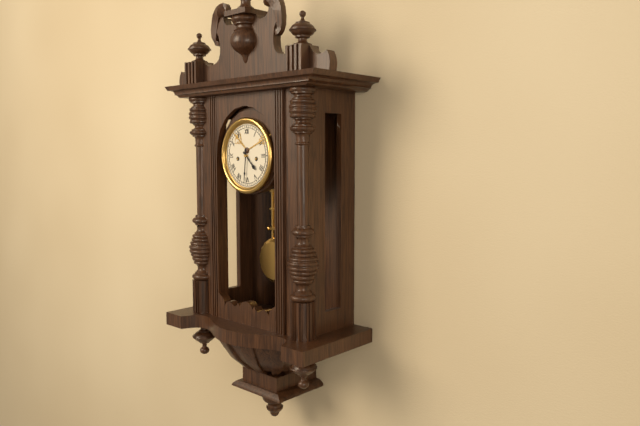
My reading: 4:31
